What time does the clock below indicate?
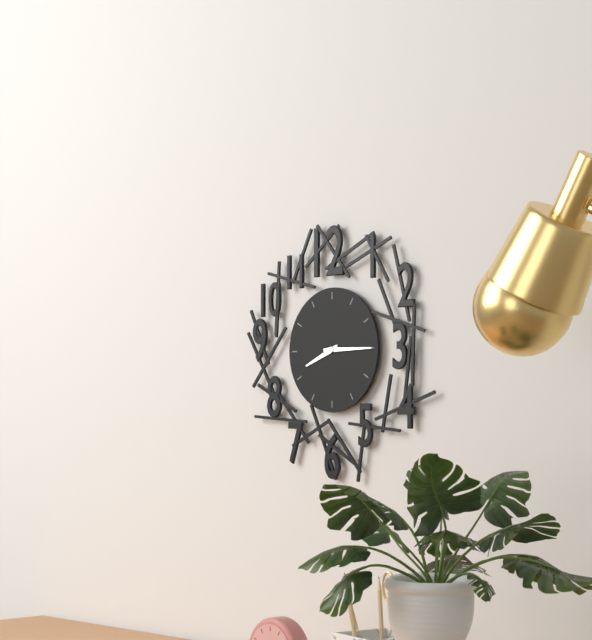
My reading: 8:15
